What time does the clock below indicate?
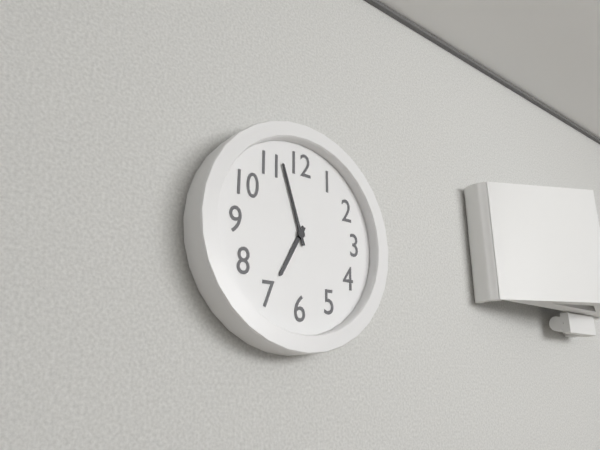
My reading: 6:57
